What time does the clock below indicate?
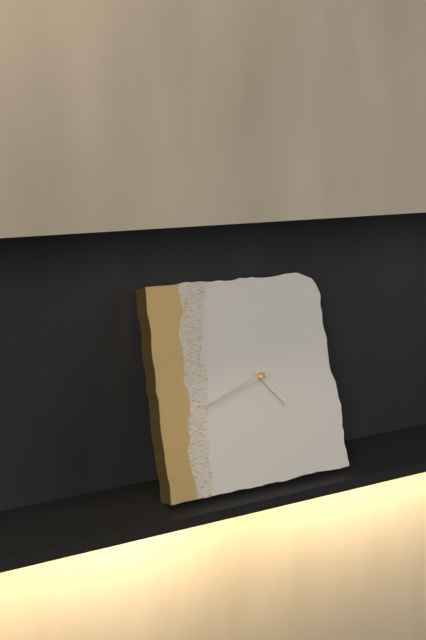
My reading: 4:42
